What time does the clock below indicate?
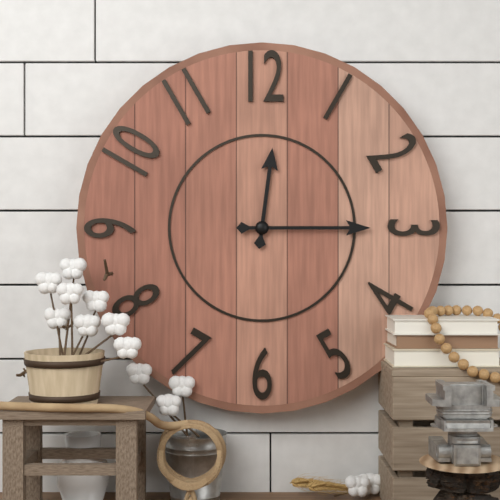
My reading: 12:15
